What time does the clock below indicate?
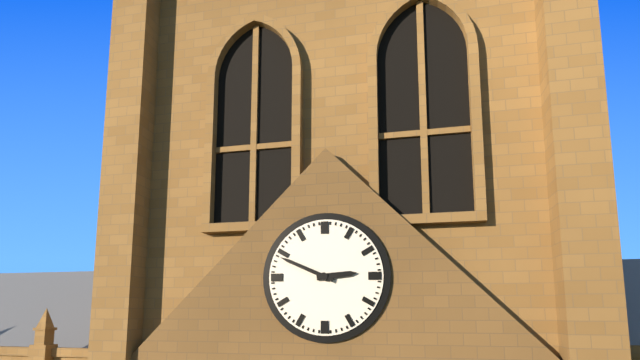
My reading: 2:49
